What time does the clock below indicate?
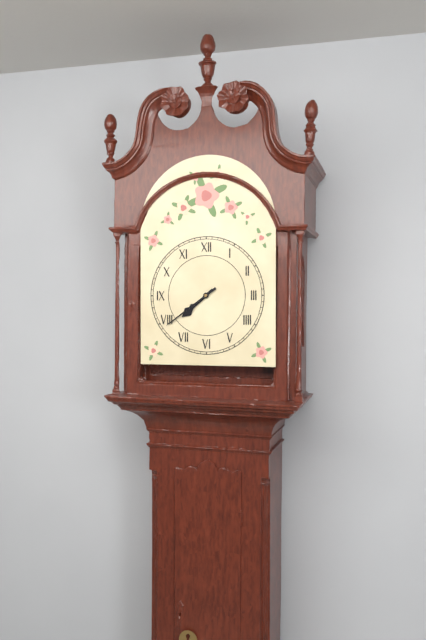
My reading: 7:39
